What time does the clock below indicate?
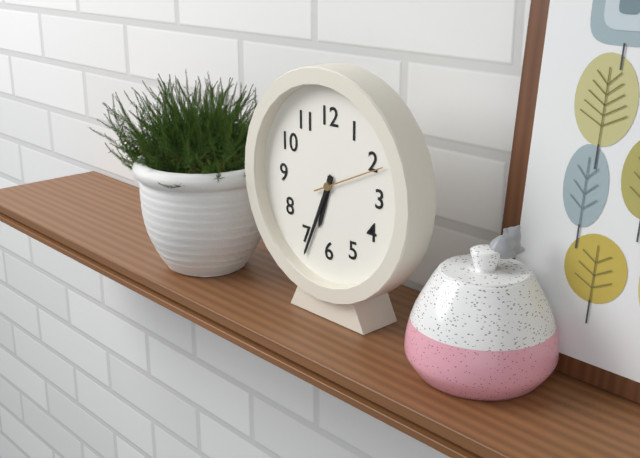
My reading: 6:34:11
